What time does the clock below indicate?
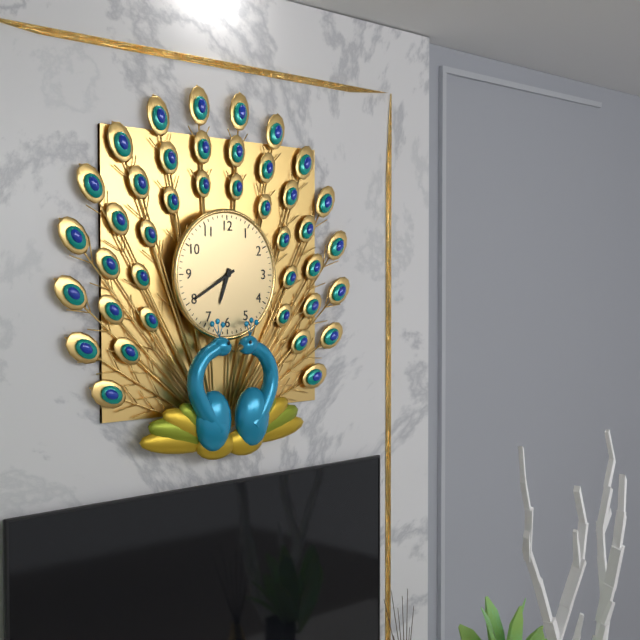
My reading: 6:40
